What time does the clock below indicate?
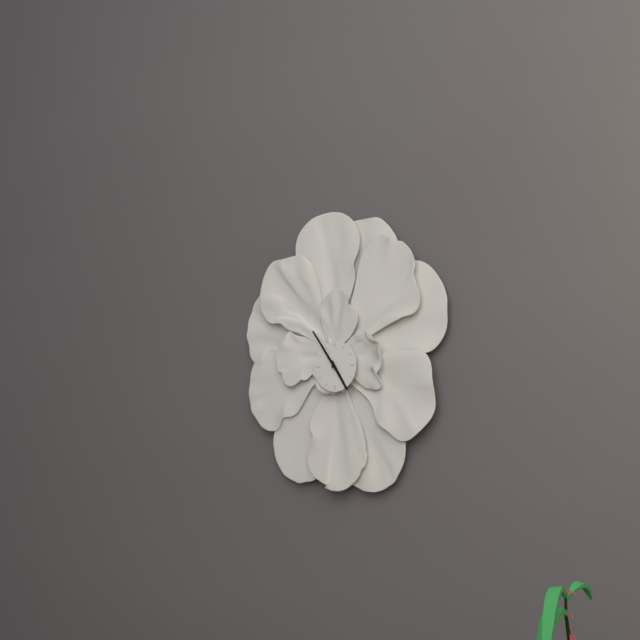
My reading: 4:54
